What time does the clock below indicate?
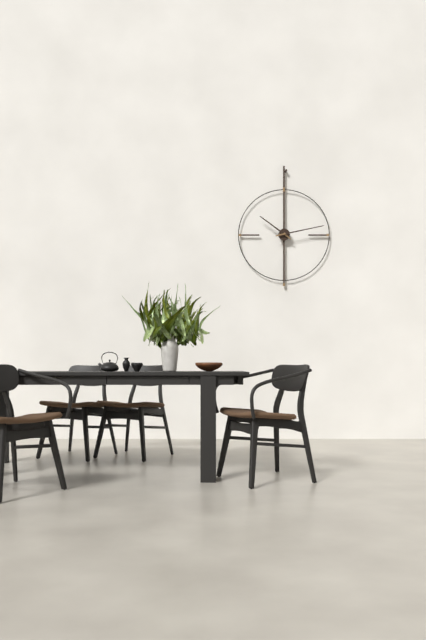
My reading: 10:13
